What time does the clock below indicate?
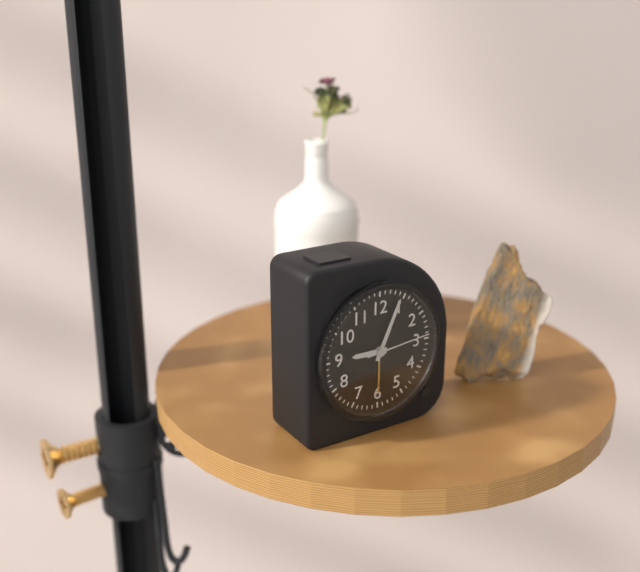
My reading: 9:04:14
